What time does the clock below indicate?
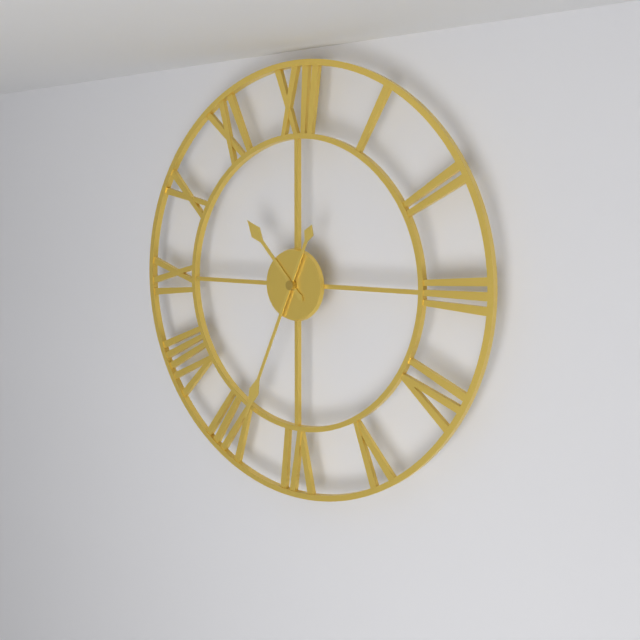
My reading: 10:34
